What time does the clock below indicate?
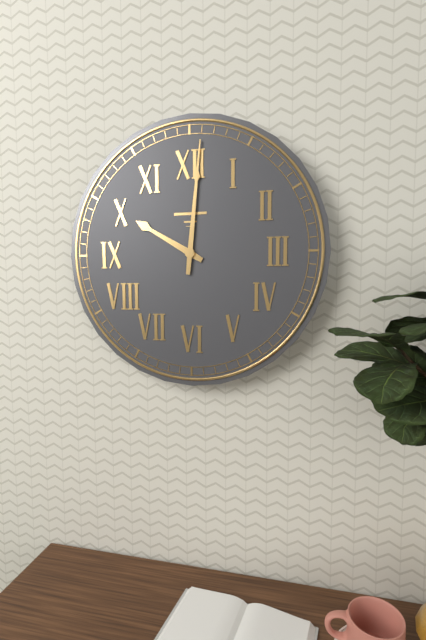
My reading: 10:01
